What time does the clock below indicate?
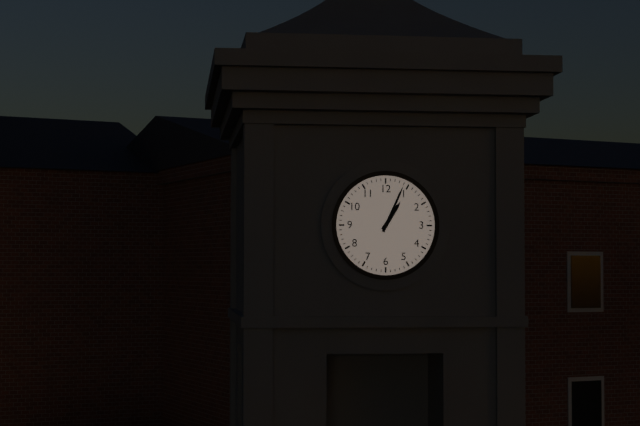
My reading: 1:04
